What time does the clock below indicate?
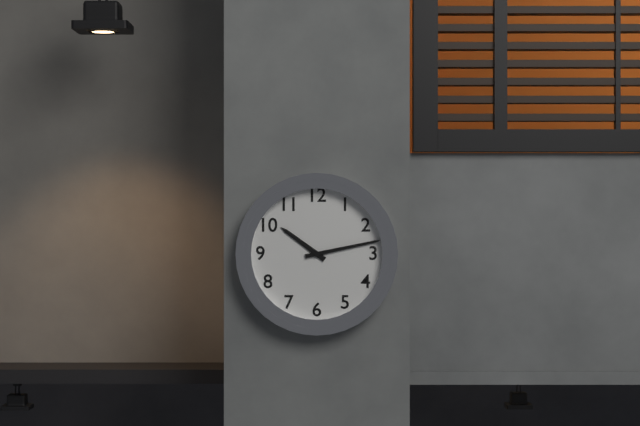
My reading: 10:13
